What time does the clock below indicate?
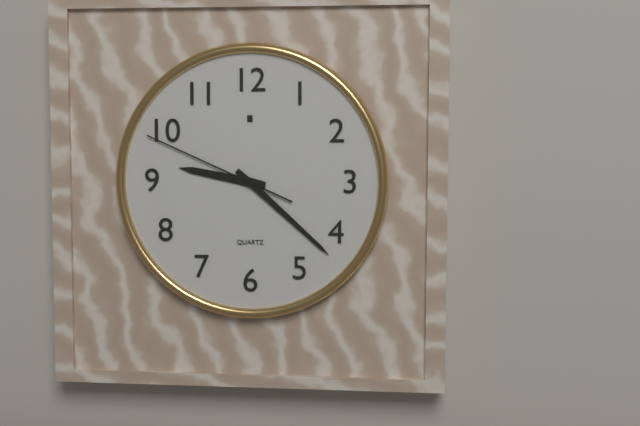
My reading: 9:22:49
